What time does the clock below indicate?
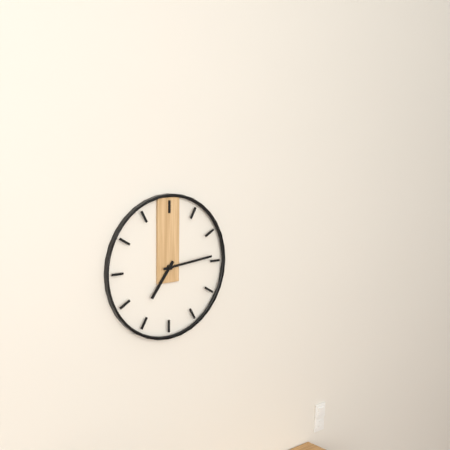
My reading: 7:14
